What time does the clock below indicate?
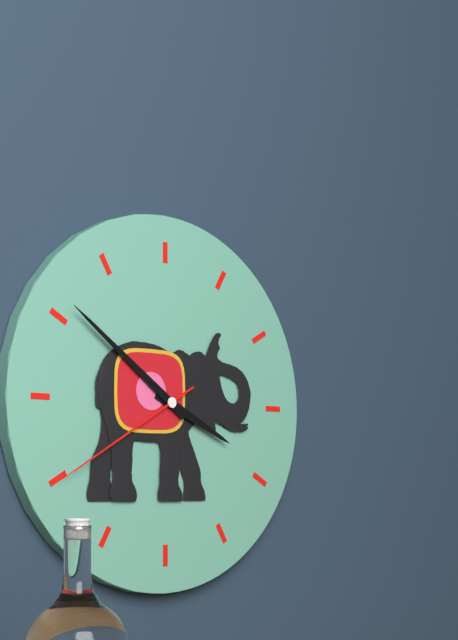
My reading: 3:51:40
